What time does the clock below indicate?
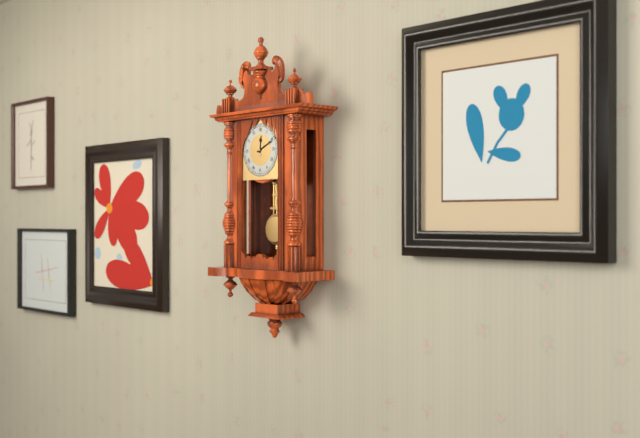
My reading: 12:11
